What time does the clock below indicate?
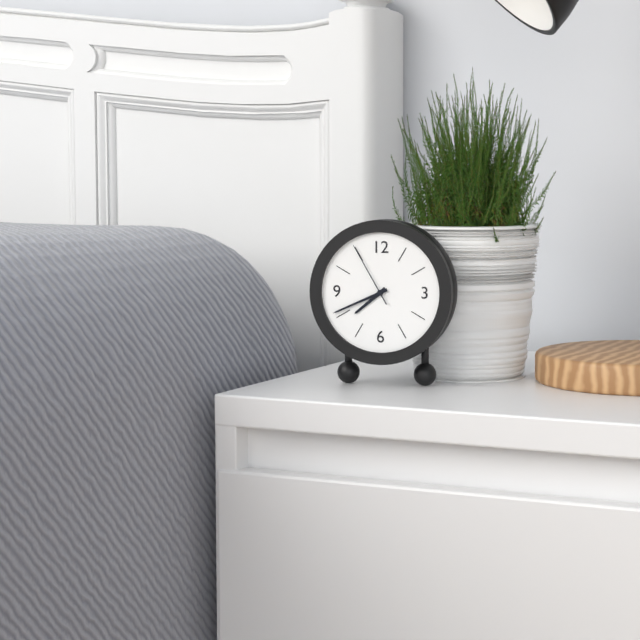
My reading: 7:41:55
